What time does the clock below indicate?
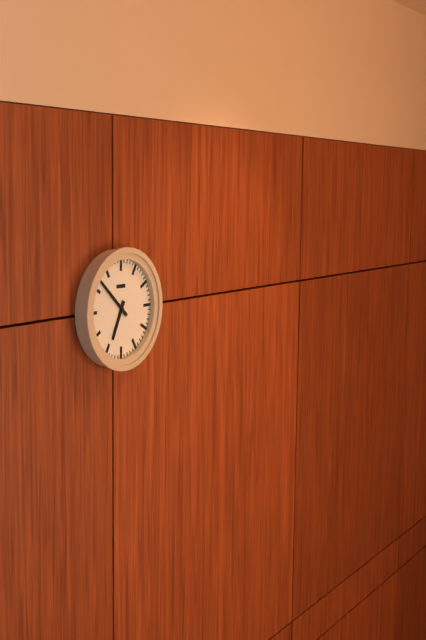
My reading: 6:52
